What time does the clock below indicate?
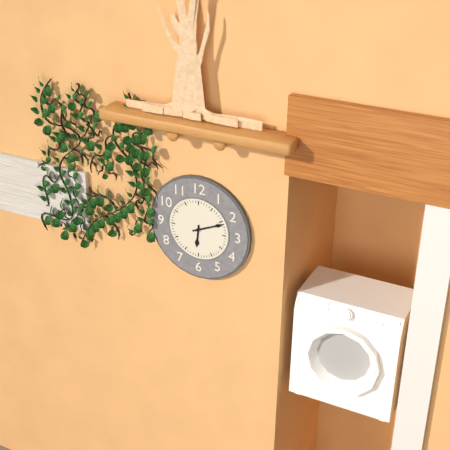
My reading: 6:11
